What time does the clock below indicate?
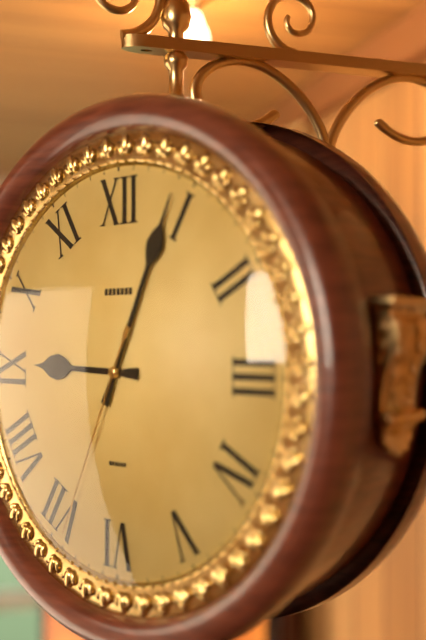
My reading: 9:04:34
